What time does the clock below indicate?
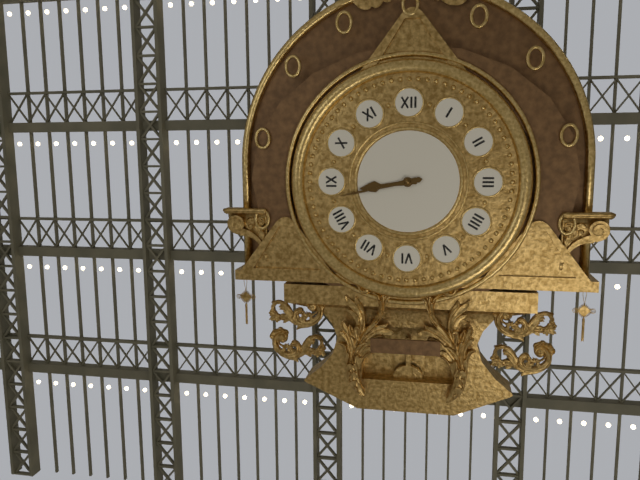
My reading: 8:43
